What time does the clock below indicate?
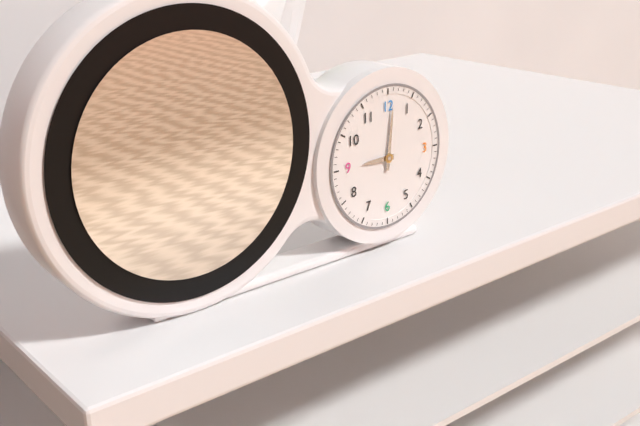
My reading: 9:01
